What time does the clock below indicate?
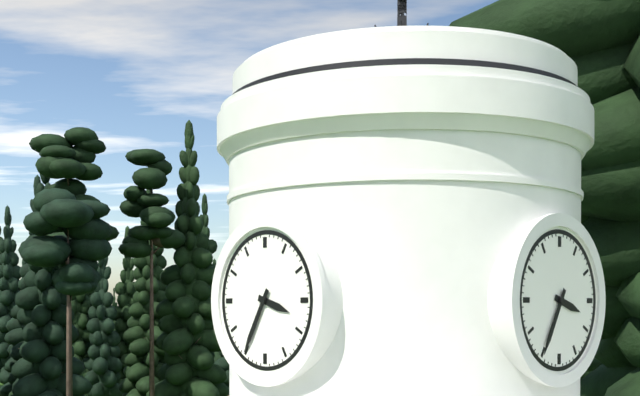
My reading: 3:35
